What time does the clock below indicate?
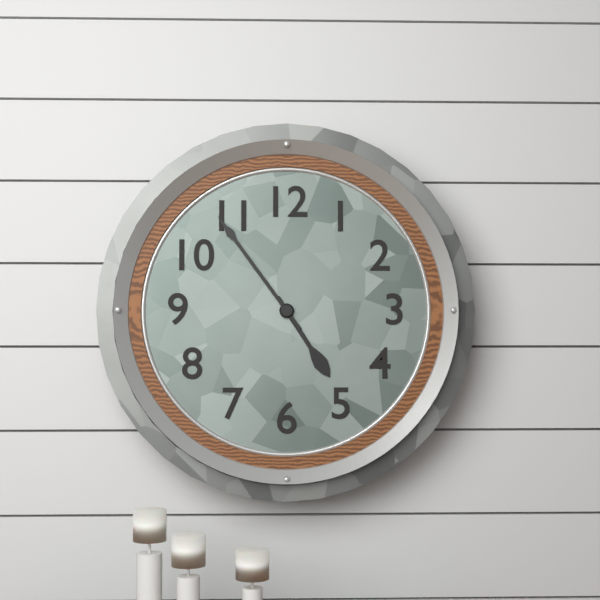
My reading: 4:54
